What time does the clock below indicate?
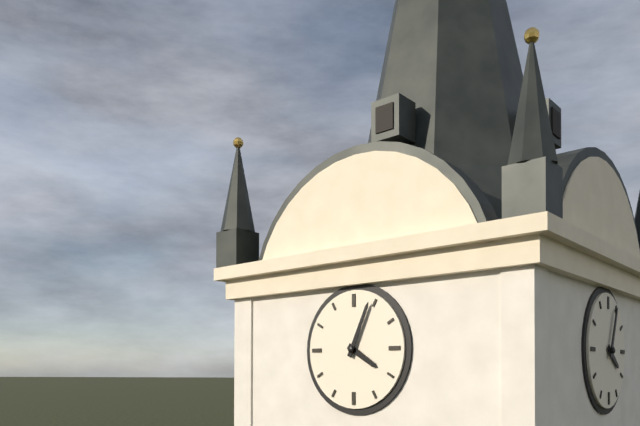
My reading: 4:04
